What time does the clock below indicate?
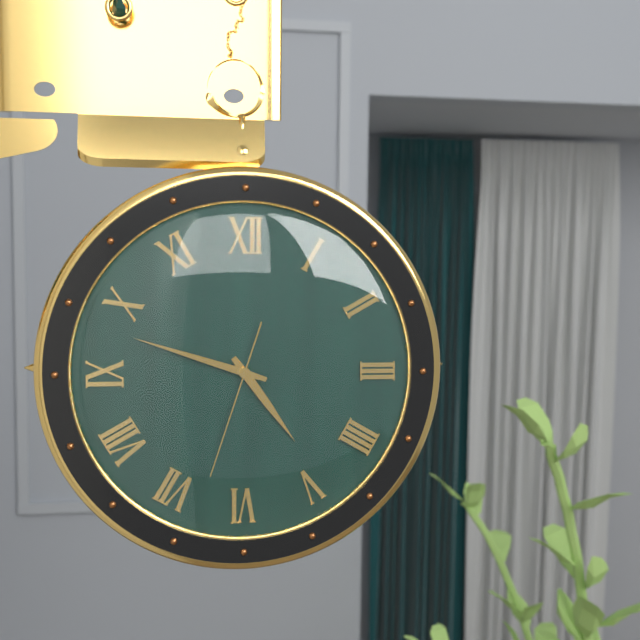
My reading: 4:48:33
